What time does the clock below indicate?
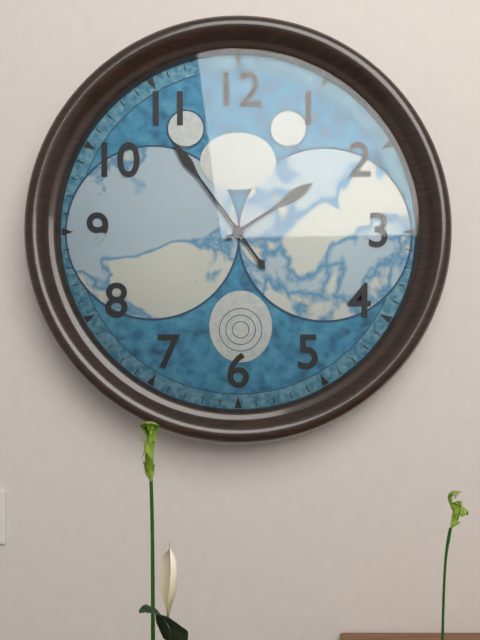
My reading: 1:54
